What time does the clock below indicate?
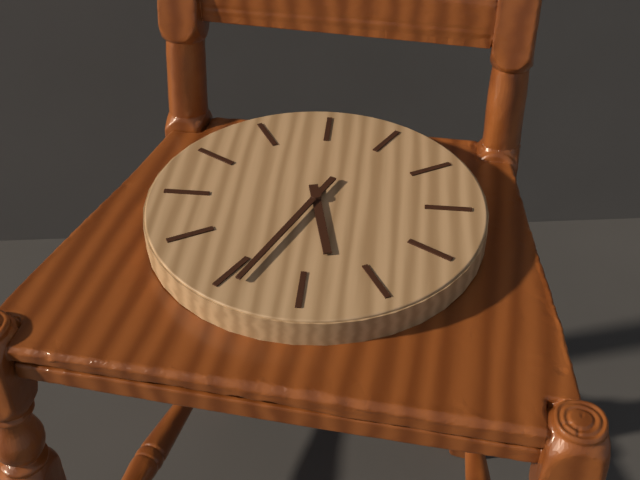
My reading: 5:34
